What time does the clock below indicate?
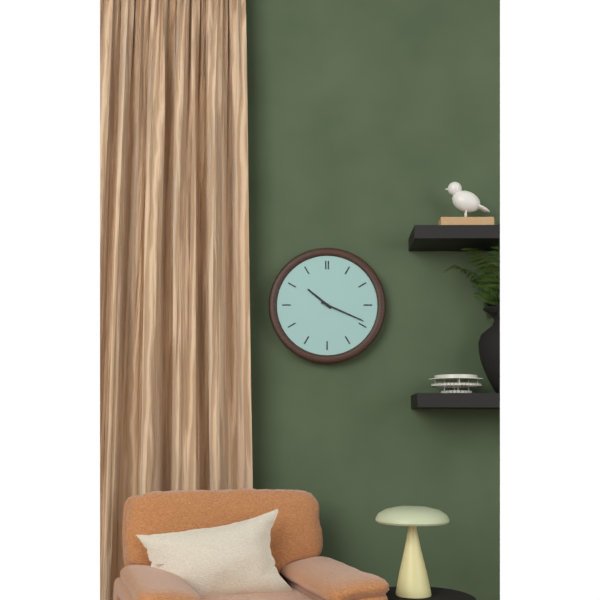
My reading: 10:19
